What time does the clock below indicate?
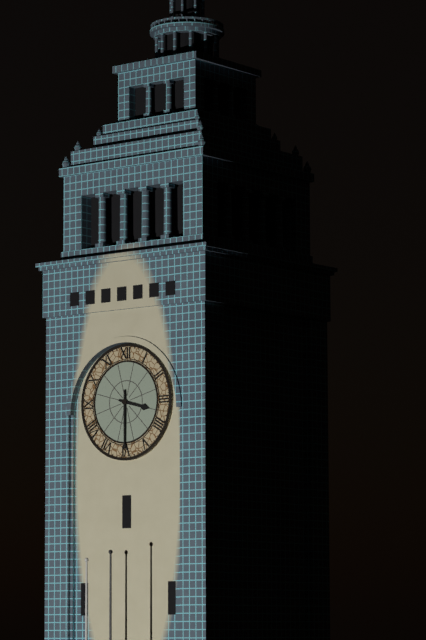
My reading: 3:30
